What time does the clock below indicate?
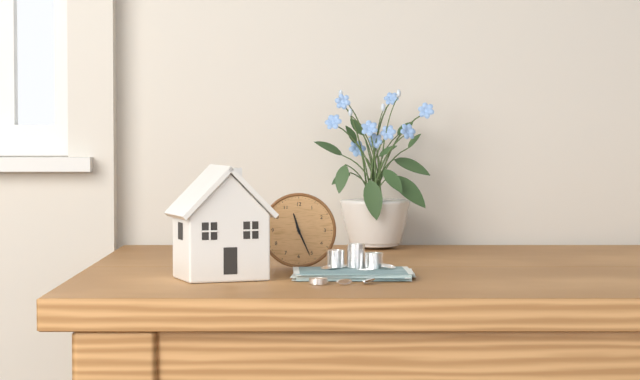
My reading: 11:26
